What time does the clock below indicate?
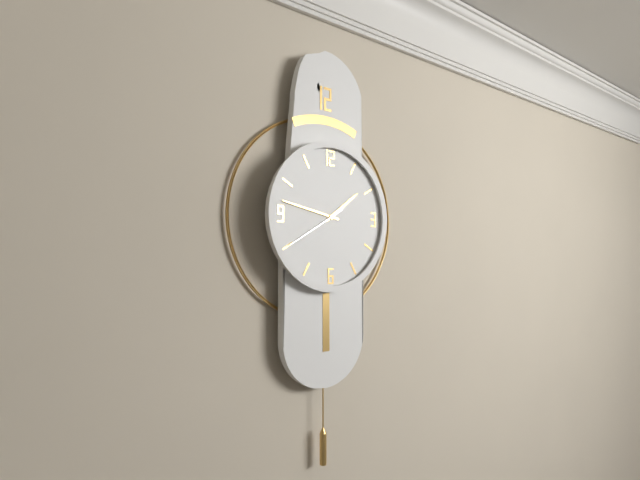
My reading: 1:47
